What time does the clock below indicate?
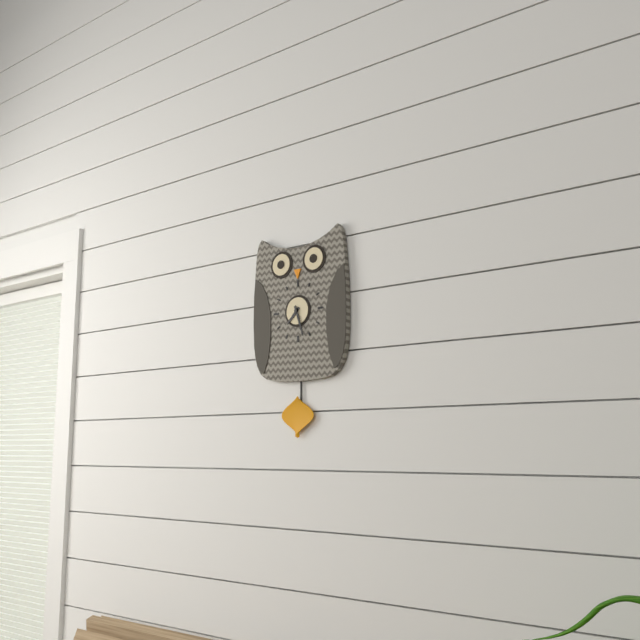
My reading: 7:27
